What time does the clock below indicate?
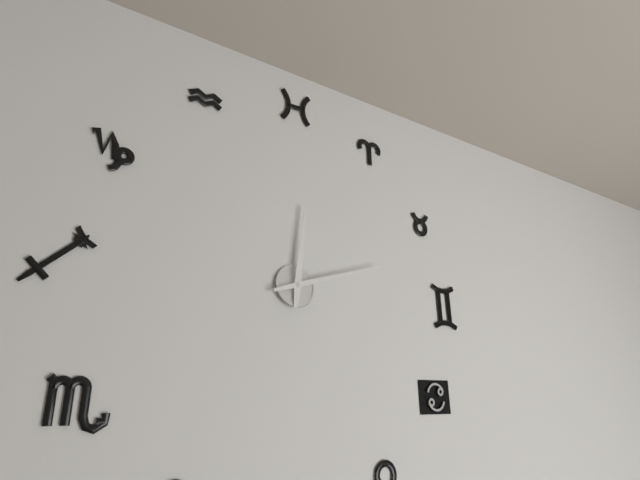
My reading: 12:12
